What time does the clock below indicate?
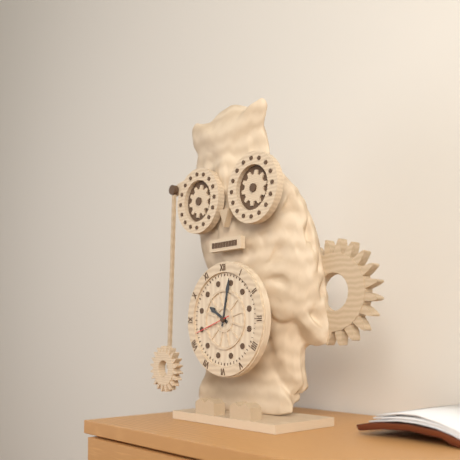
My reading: 10:02
